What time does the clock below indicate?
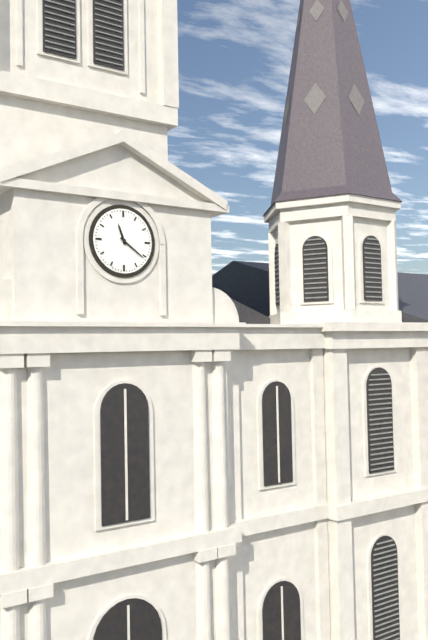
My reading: 11:21
